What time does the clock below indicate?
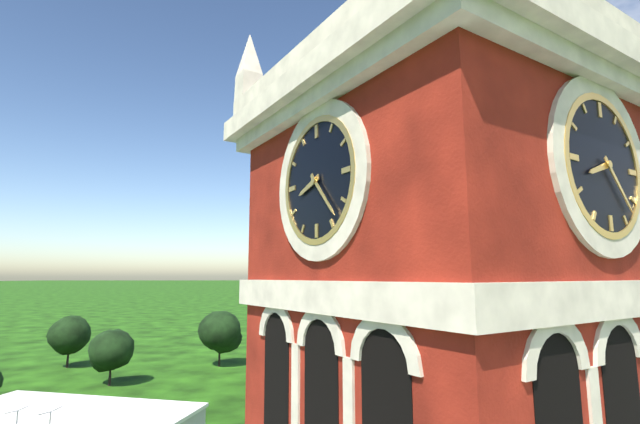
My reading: 8:23
